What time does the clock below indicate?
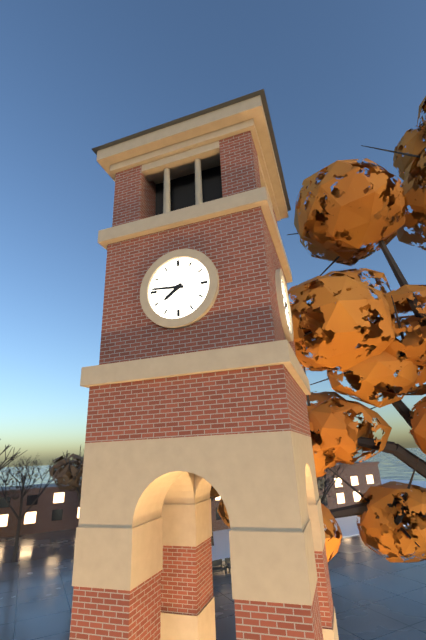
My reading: 7:46
